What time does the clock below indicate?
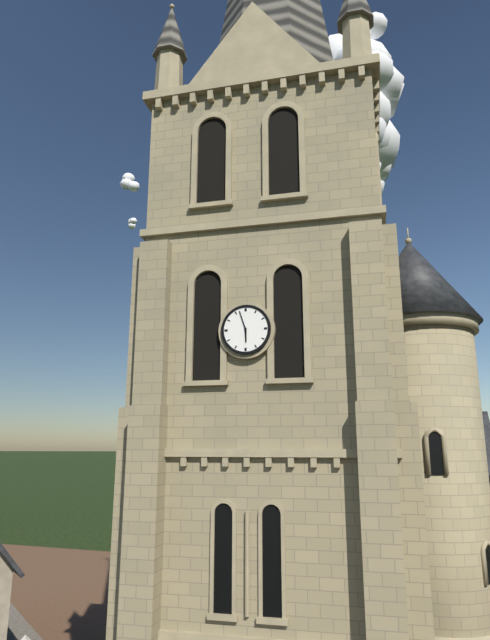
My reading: 5:57
